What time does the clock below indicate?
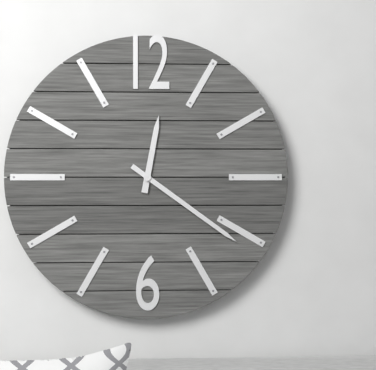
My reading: 12:21
